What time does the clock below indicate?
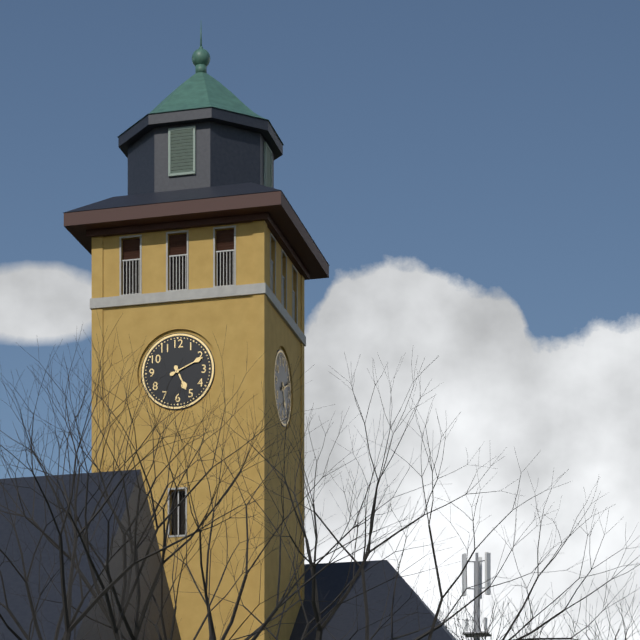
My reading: 5:11
